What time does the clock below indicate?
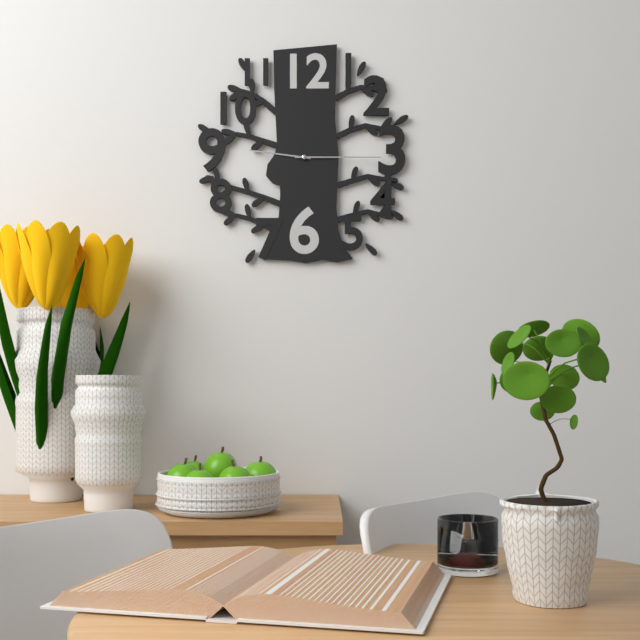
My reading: 9:15
